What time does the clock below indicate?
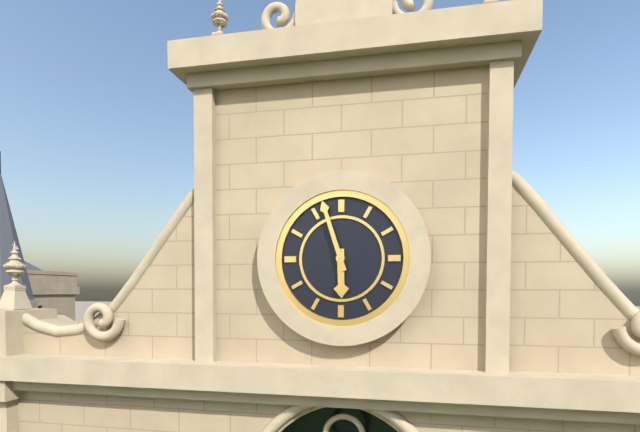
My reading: 5:57
